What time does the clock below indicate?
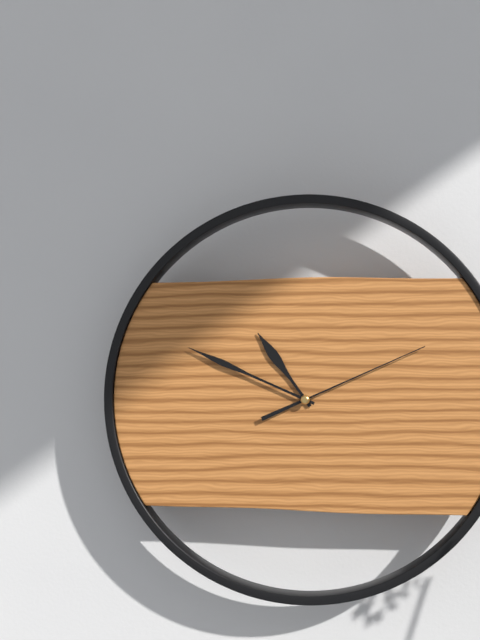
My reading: 10:49:11
